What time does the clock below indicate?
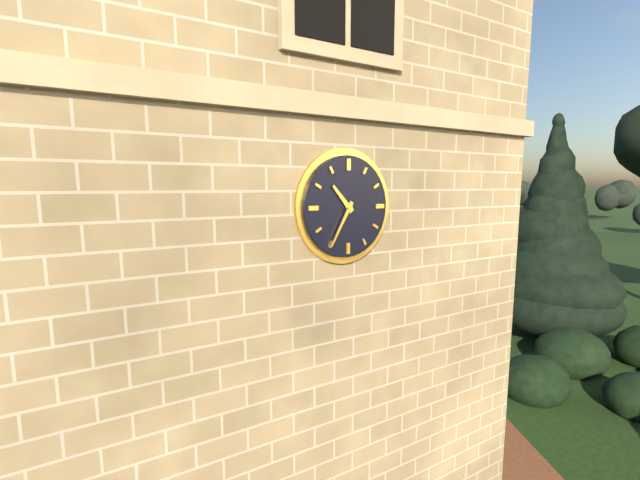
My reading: 10:35
